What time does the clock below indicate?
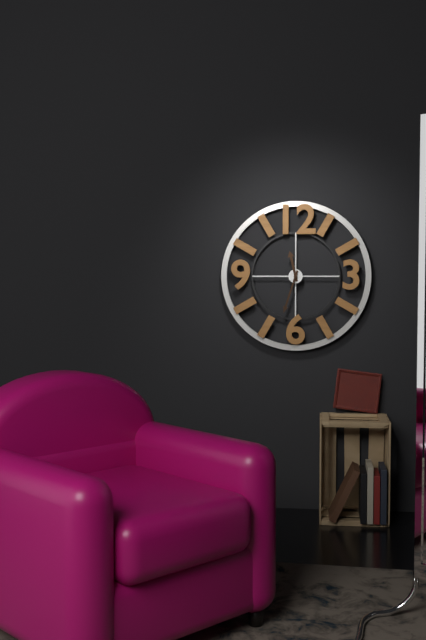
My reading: 11:33
